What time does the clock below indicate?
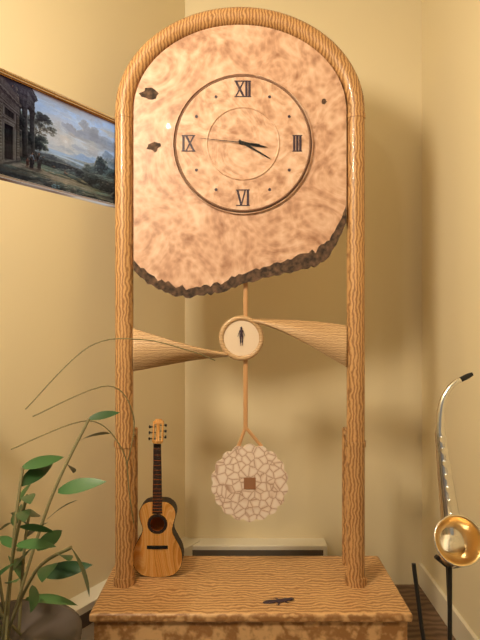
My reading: 3:20:46
